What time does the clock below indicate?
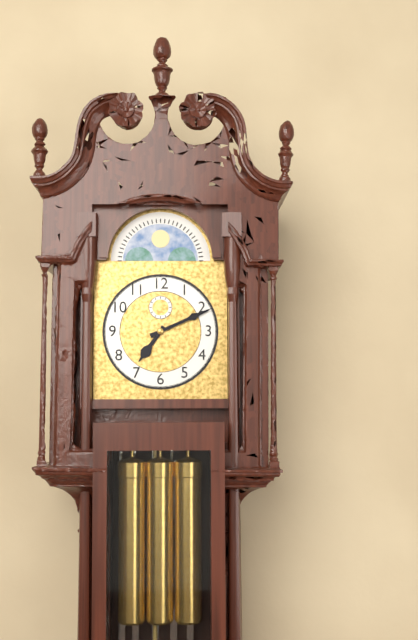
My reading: 7:11
